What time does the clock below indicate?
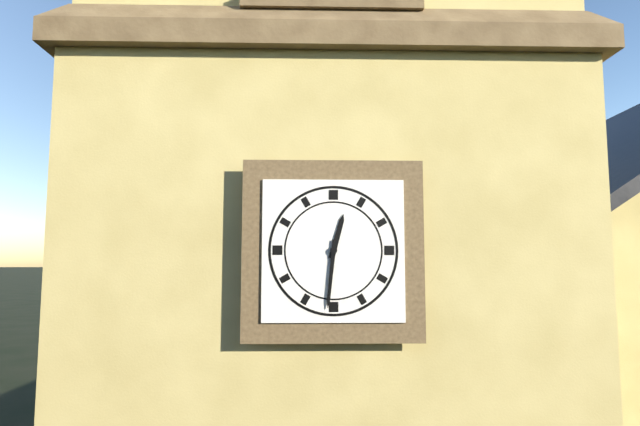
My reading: 12:31
